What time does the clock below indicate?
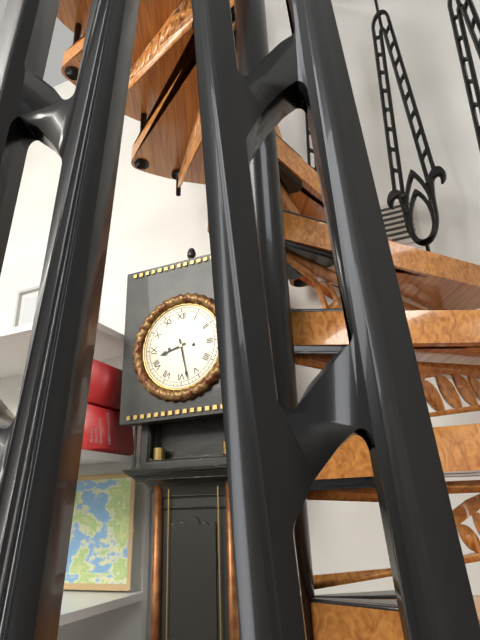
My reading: 8:28
